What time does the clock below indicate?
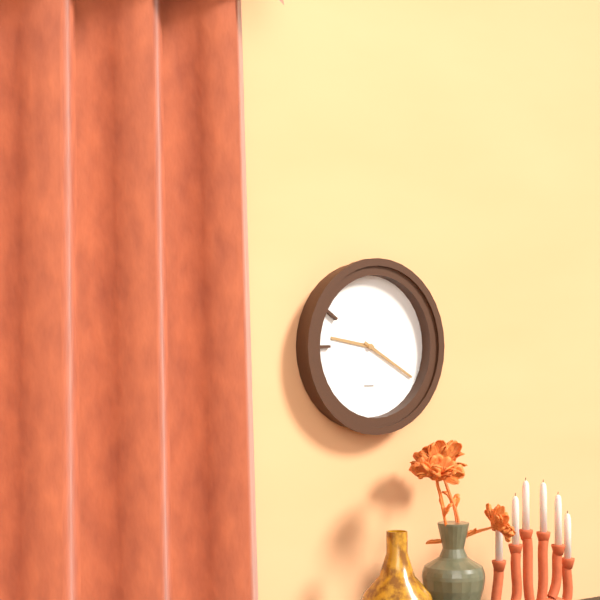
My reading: 9:20
